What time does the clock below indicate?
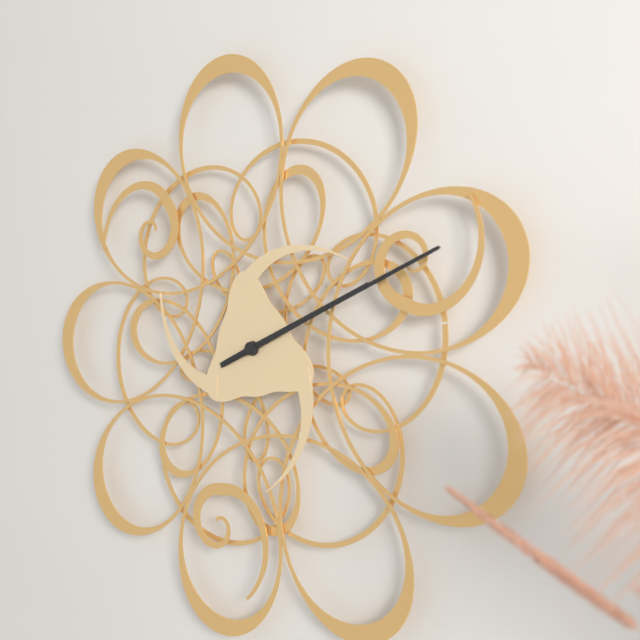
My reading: 2:11
